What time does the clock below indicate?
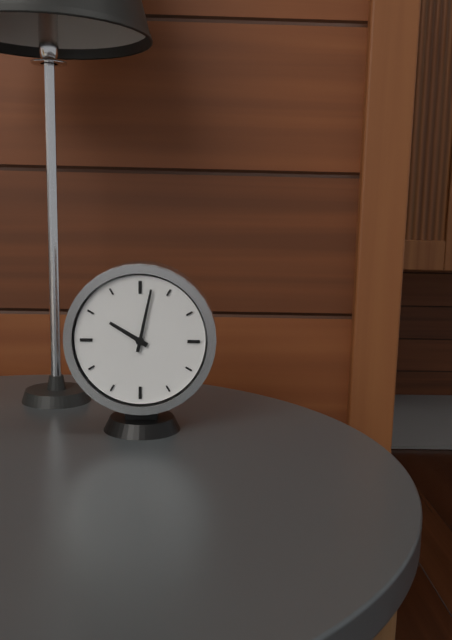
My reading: 10:02
